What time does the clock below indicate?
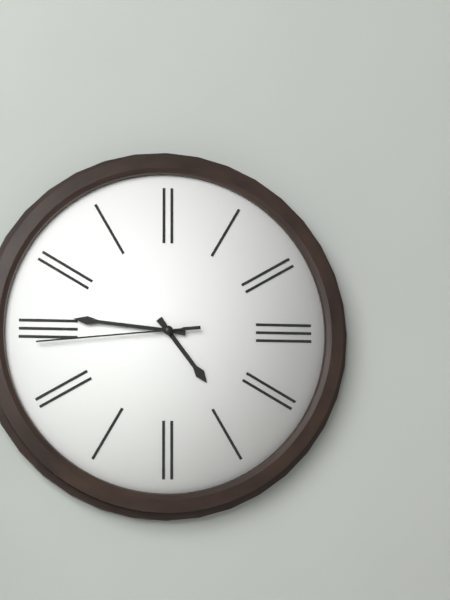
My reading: 4:46:44
